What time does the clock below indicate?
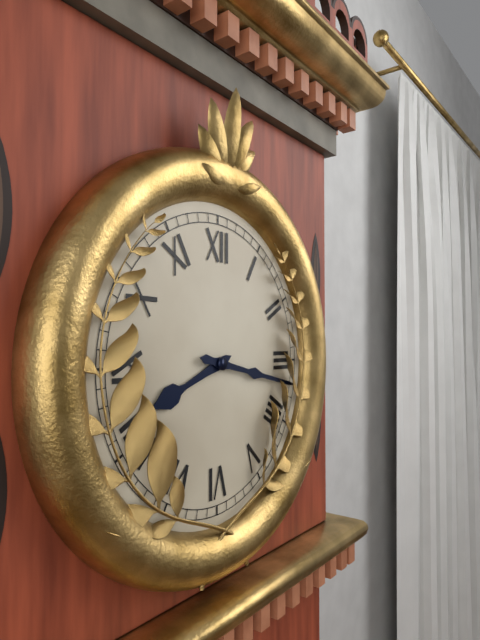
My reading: 8:17
